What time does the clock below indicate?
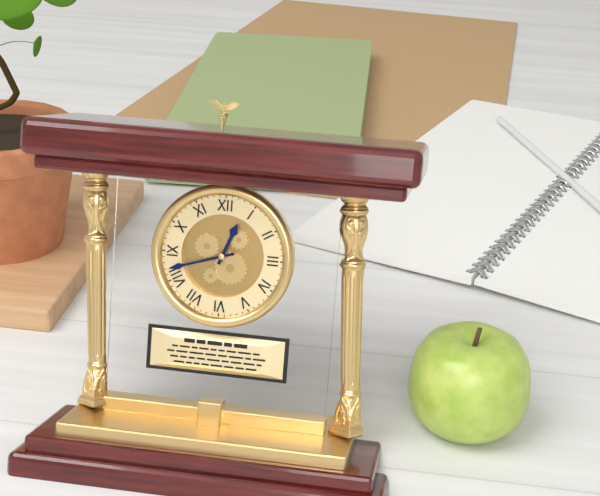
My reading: 12:42
